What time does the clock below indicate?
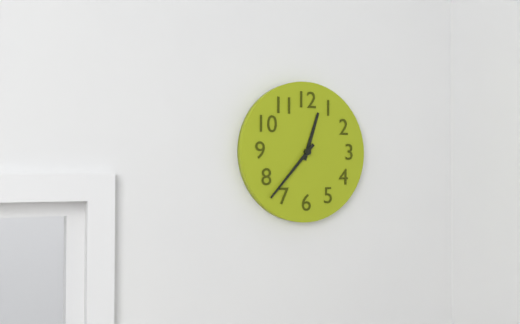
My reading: 12:37
